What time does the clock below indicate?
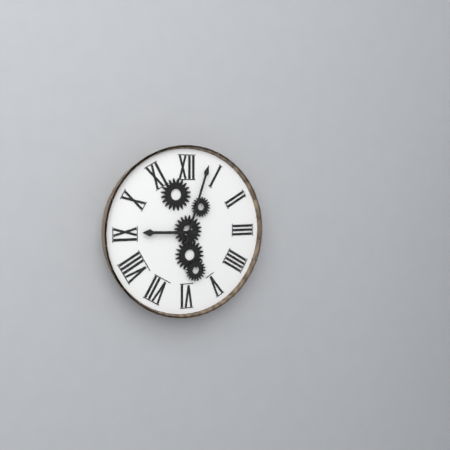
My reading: 9:03
